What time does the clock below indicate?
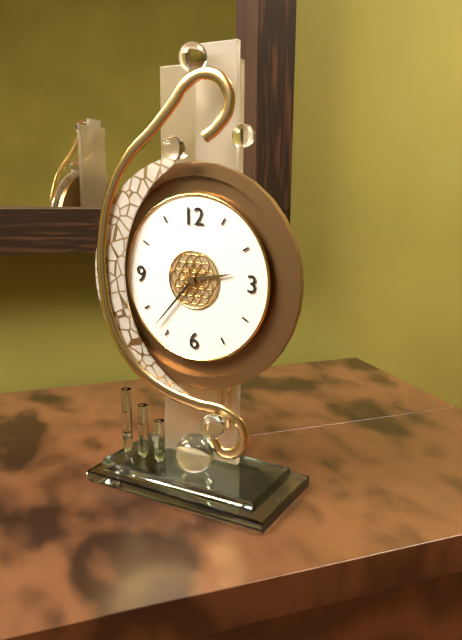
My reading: 2:37:37
